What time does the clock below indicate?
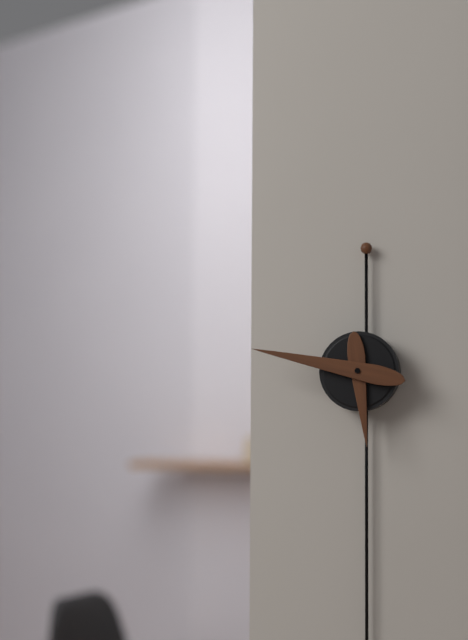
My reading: 5:47
